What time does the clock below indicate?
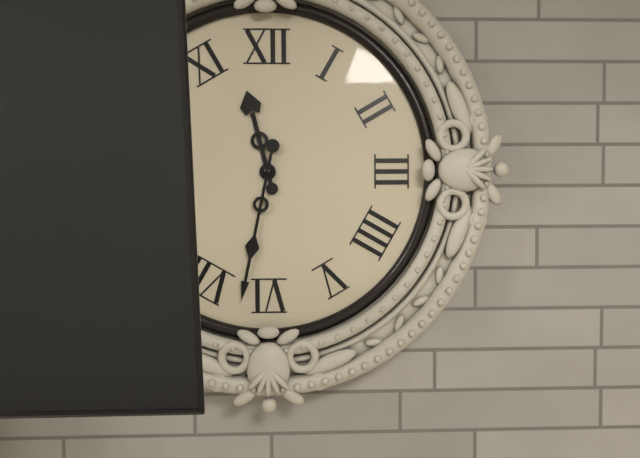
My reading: 11:32
